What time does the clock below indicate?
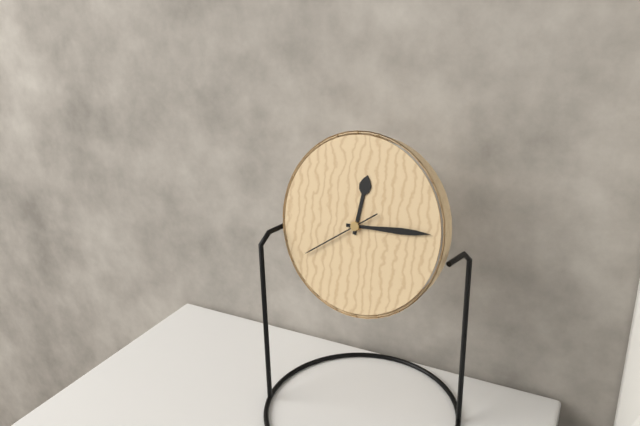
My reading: 12:14:39
